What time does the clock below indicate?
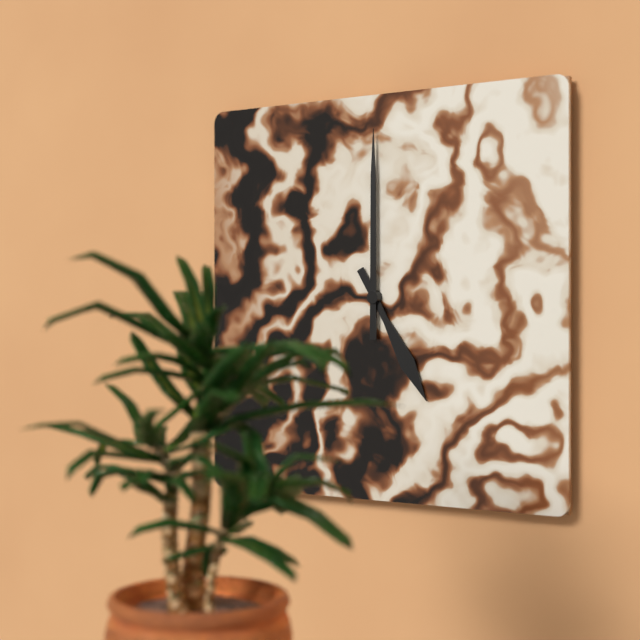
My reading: 5:00
